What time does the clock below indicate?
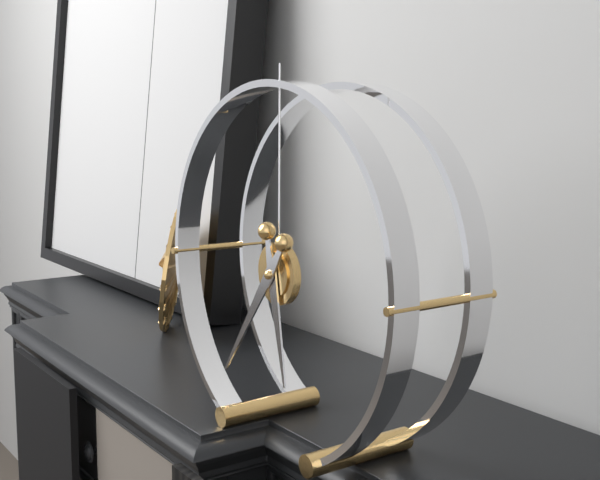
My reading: 5:36
